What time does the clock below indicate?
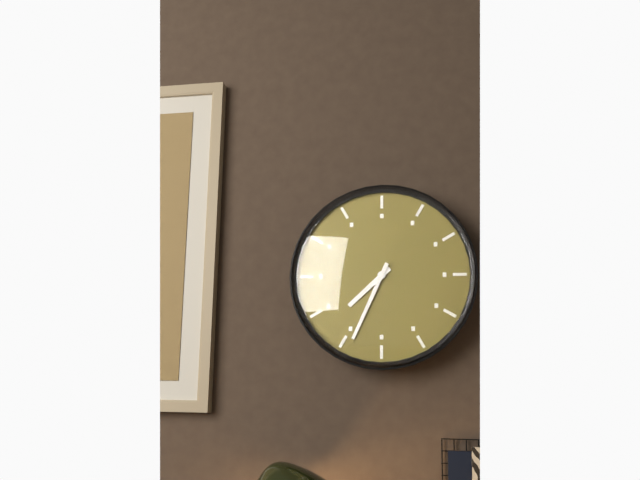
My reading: 7:34
